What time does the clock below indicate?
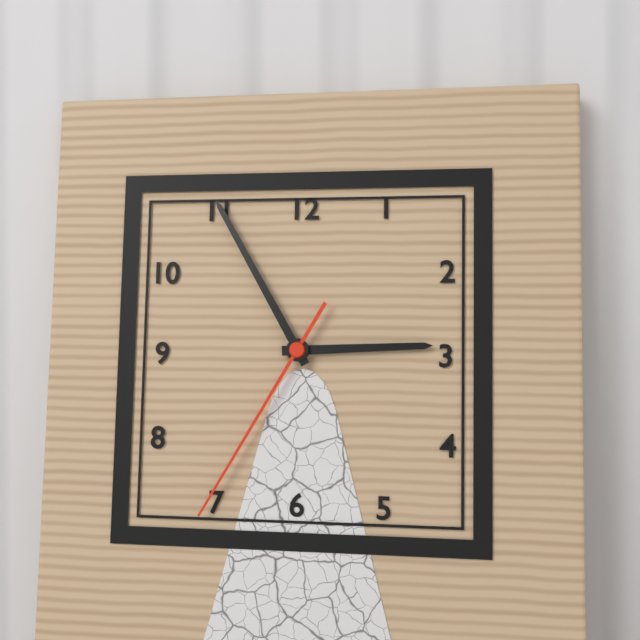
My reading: 2:55:35
